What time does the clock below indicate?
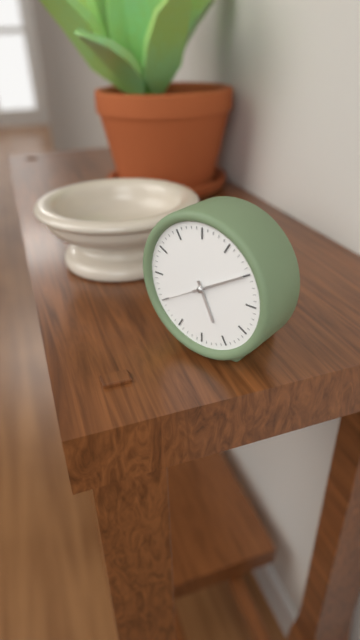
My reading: 5:10
